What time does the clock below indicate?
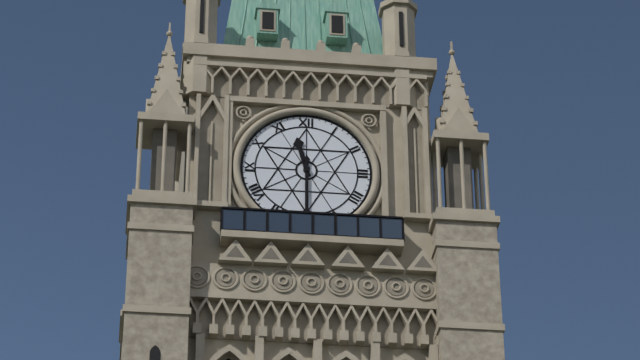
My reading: 11:30
